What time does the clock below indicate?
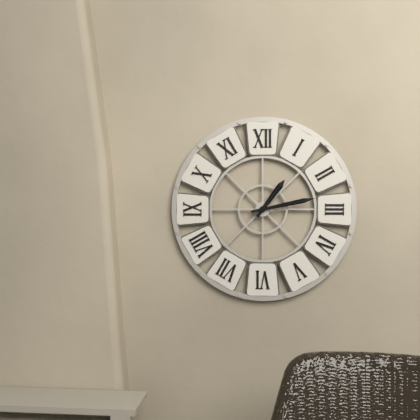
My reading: 1:13
